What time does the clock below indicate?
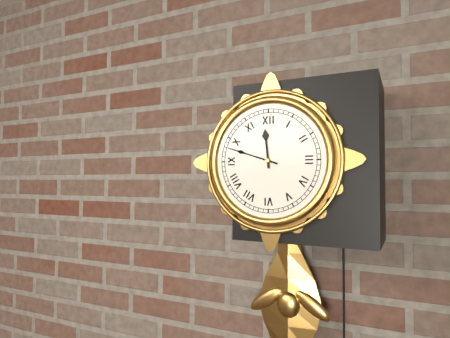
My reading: 11:48
